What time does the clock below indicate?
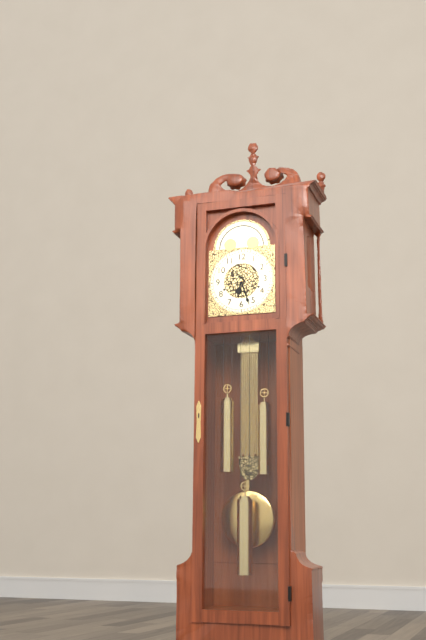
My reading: 6:27
